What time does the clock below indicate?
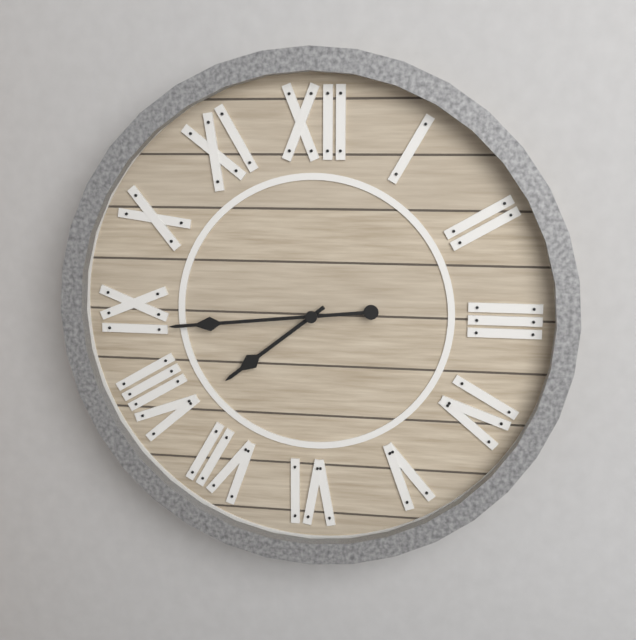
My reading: 7:44
